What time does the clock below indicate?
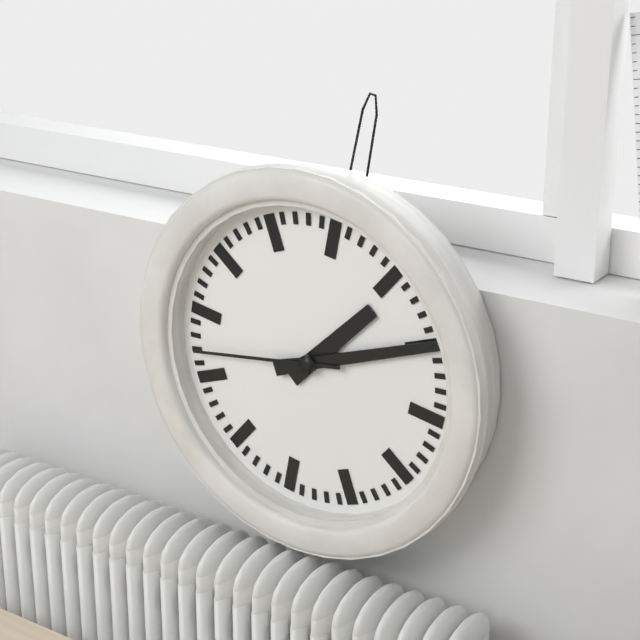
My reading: 1:10:42
